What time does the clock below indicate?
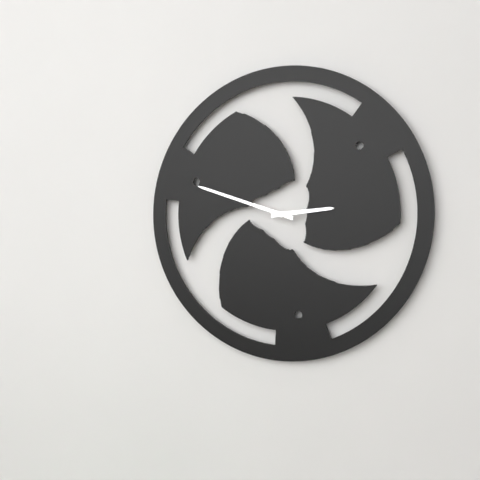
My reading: 2:48
